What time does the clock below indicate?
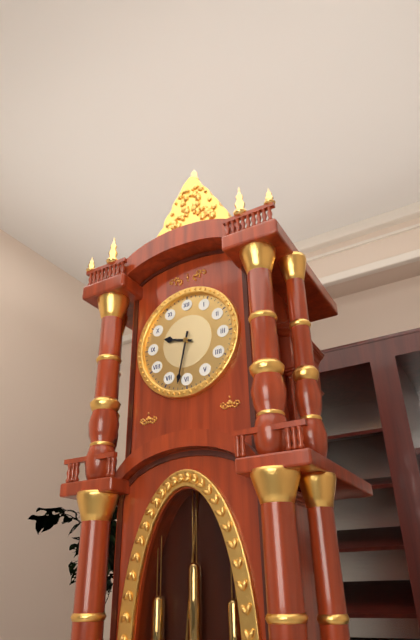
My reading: 9:32
